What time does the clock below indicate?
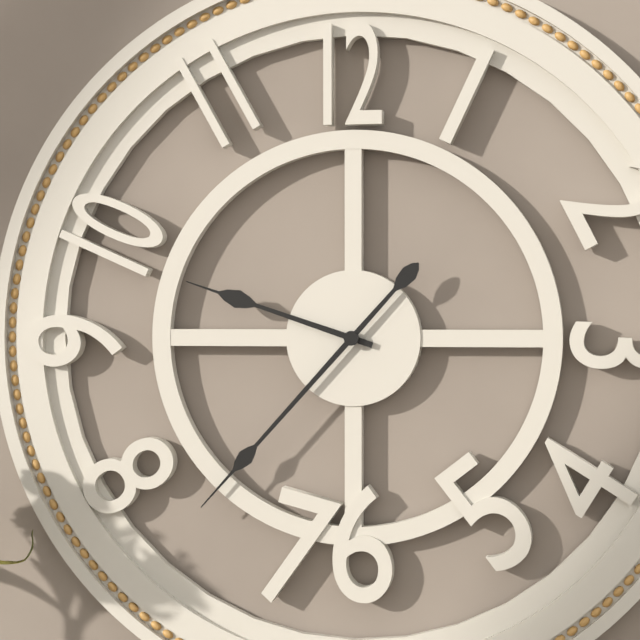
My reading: 9:37
